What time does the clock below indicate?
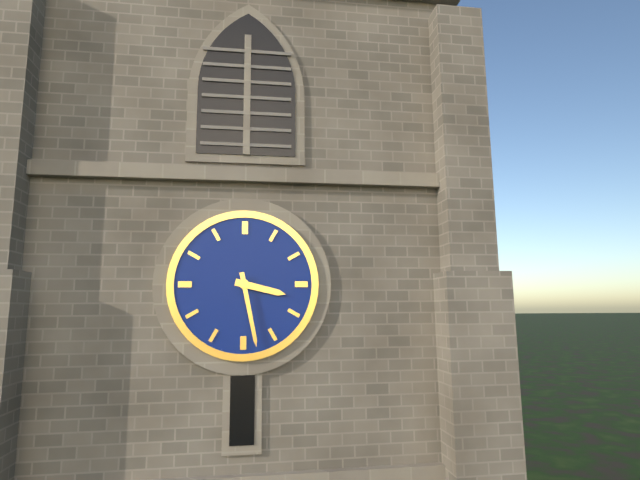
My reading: 3:28
